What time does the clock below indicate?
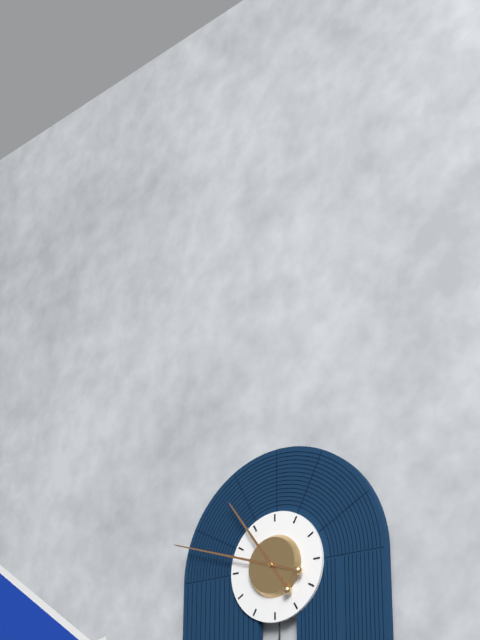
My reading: 10:48
